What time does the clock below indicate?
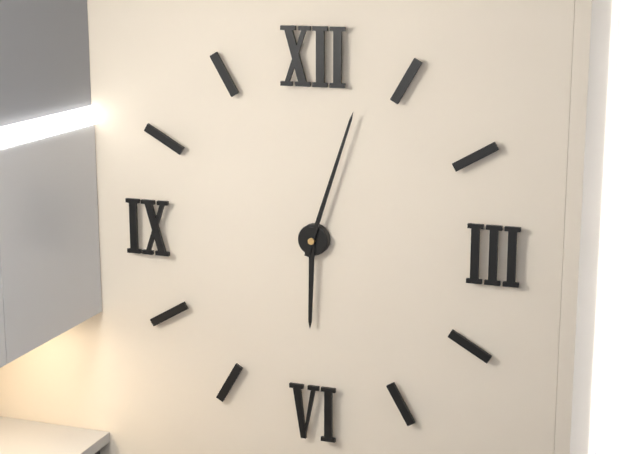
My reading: 6:03
